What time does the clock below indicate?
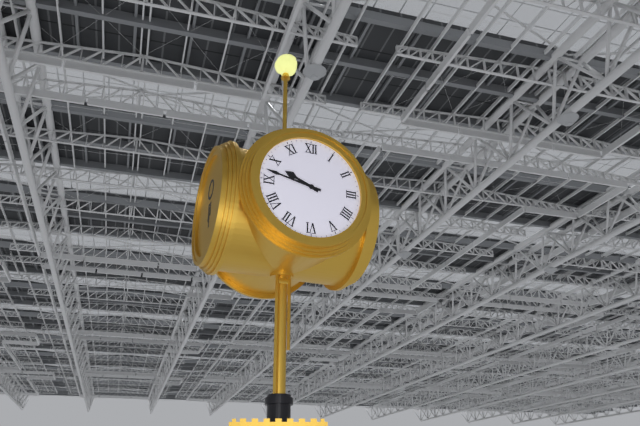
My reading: 9:47
